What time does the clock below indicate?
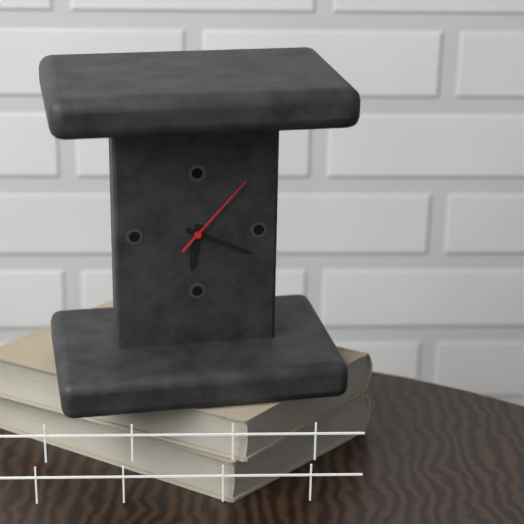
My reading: 6:19:07
